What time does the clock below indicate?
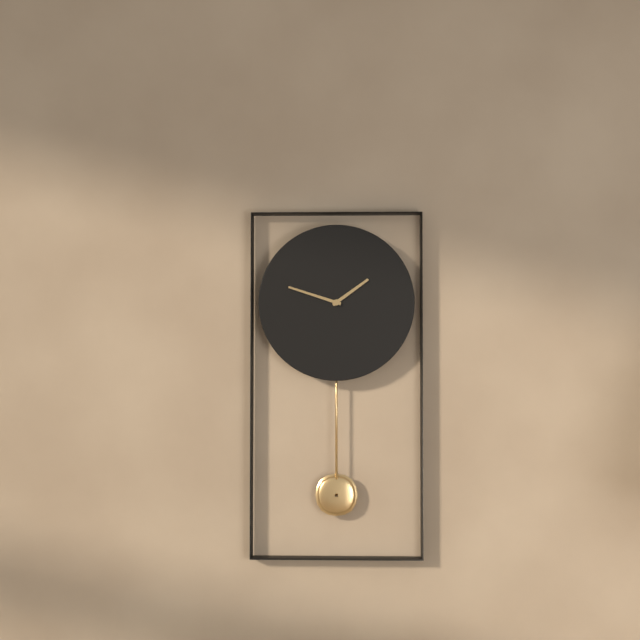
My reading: 1:48
